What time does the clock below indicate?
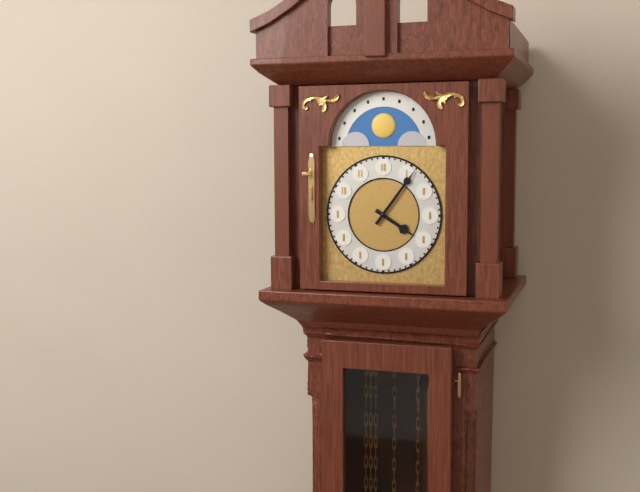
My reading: 4:06
